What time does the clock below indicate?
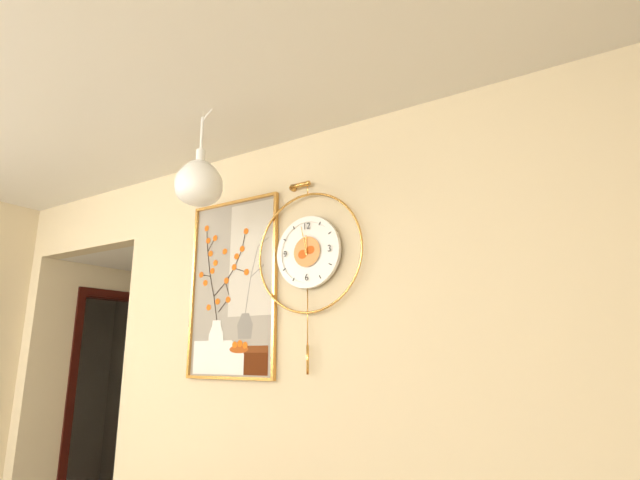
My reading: 11:58
